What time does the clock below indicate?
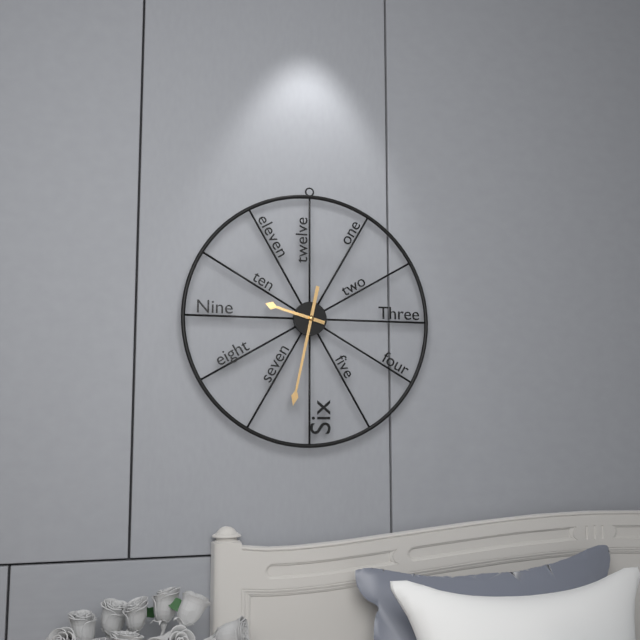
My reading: 9:32
